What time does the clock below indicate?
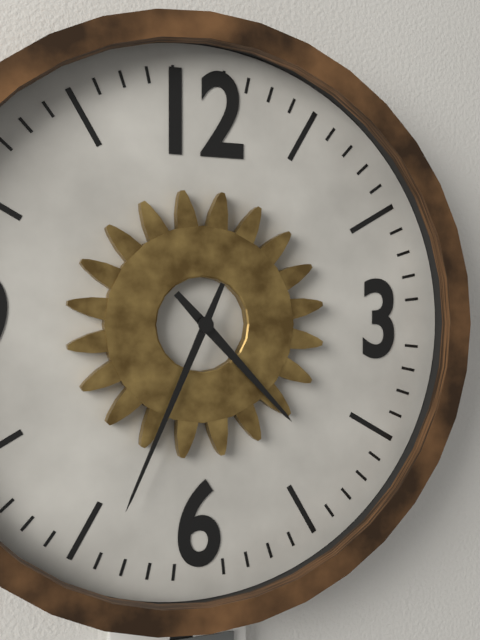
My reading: 4:34
